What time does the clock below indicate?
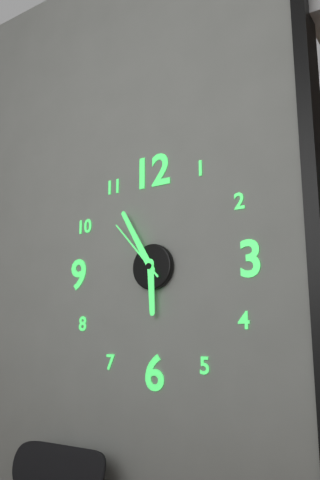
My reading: 5:55:53
